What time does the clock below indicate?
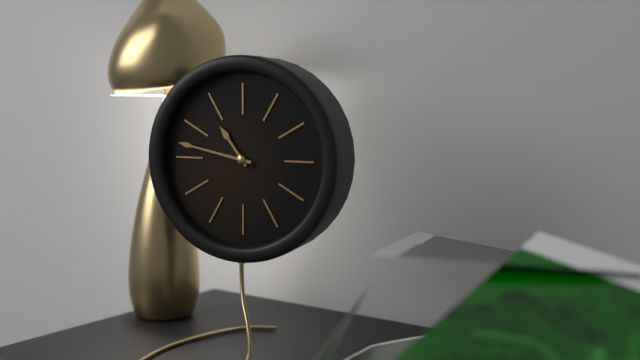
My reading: 10:47
